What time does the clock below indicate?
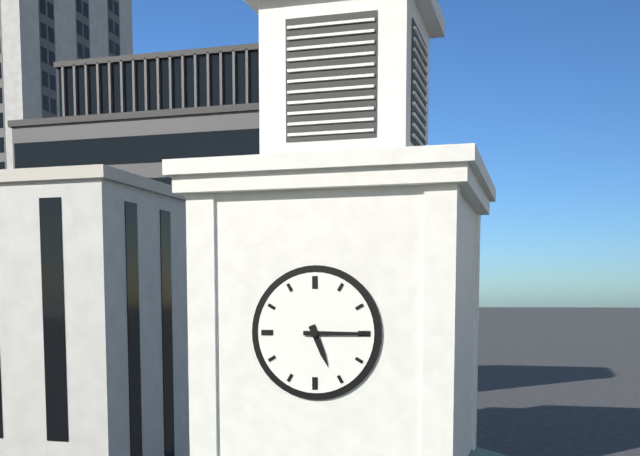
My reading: 5:15
